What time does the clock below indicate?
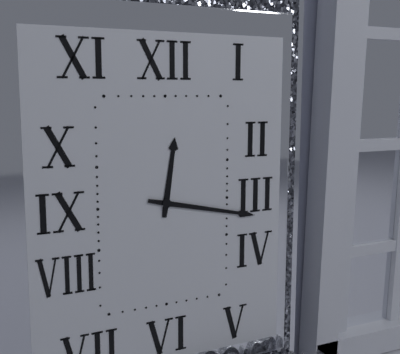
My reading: 12:17
